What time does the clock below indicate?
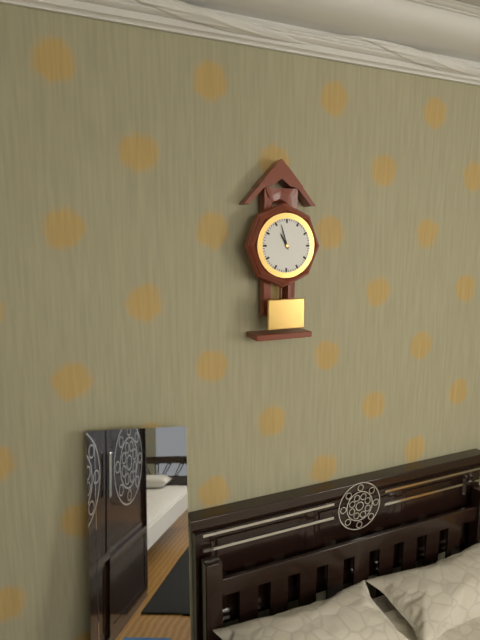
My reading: 10:57
